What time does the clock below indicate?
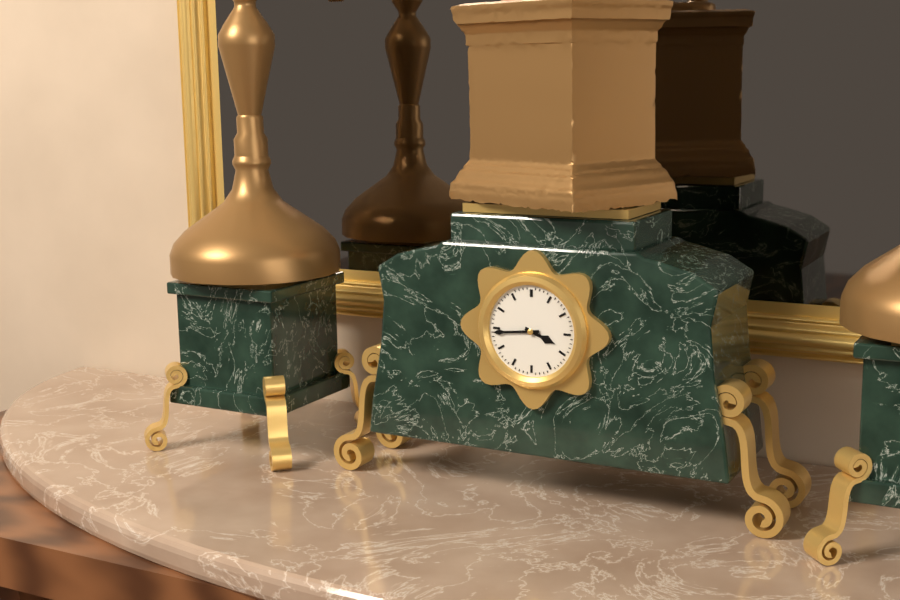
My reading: 3:44
